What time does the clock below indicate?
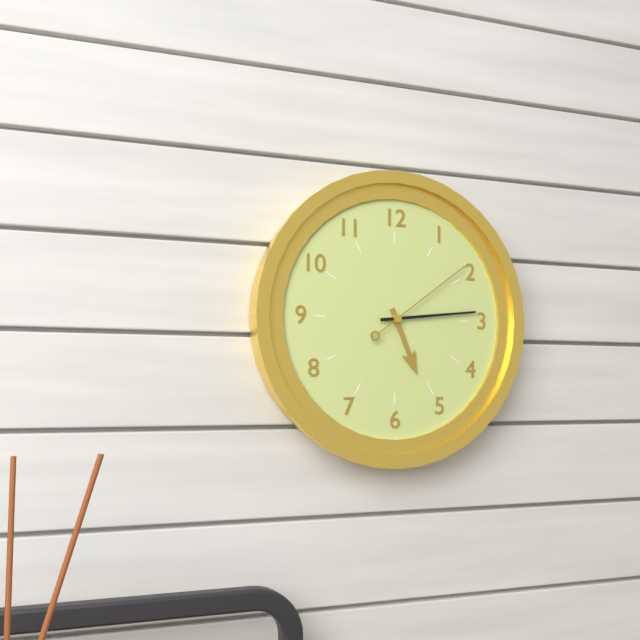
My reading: 5:14:09
